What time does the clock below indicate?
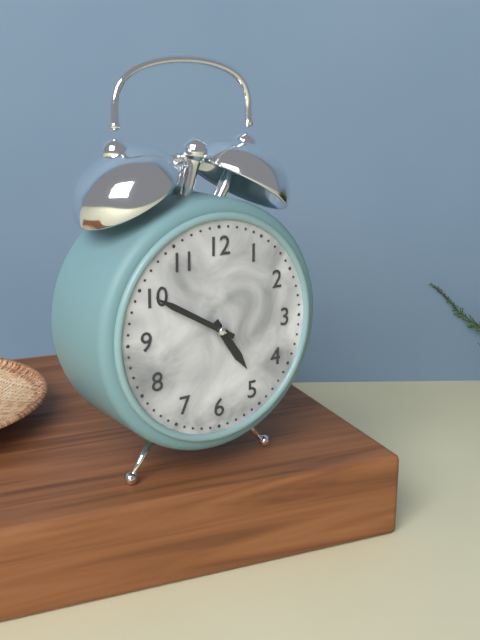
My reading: 4:50
